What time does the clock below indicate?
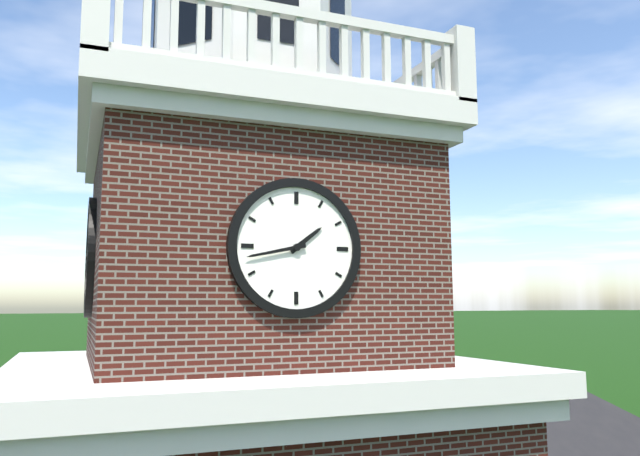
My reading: 1:43
